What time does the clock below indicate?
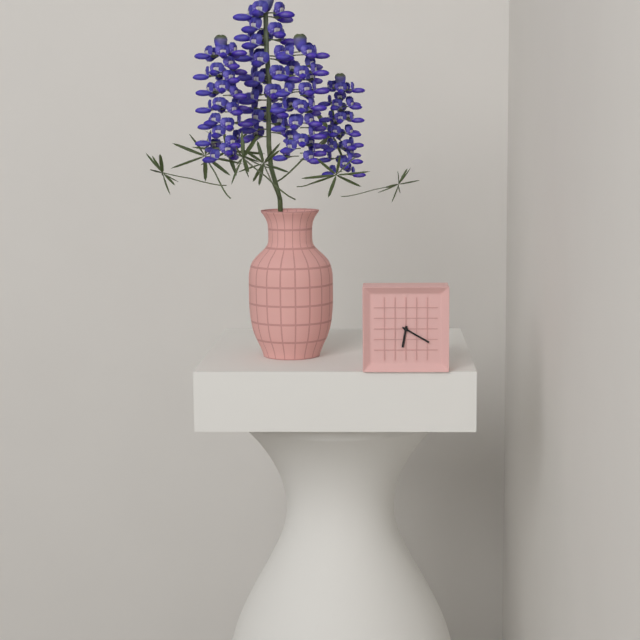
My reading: 6:20
